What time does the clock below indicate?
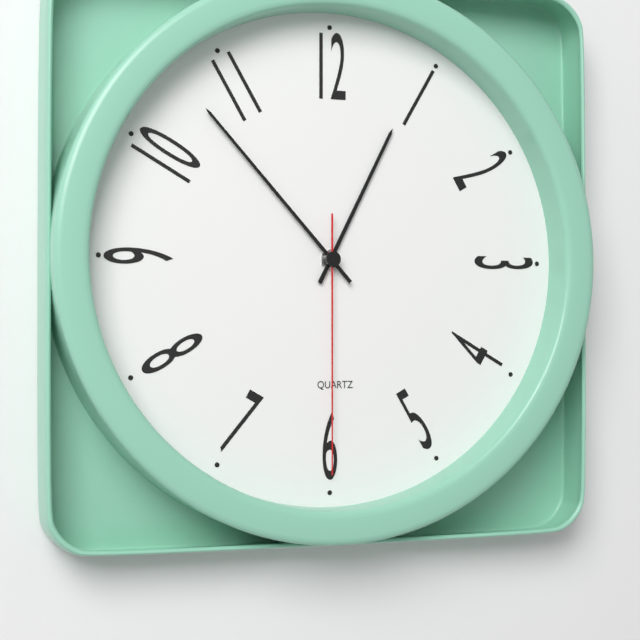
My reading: 12:53:30
